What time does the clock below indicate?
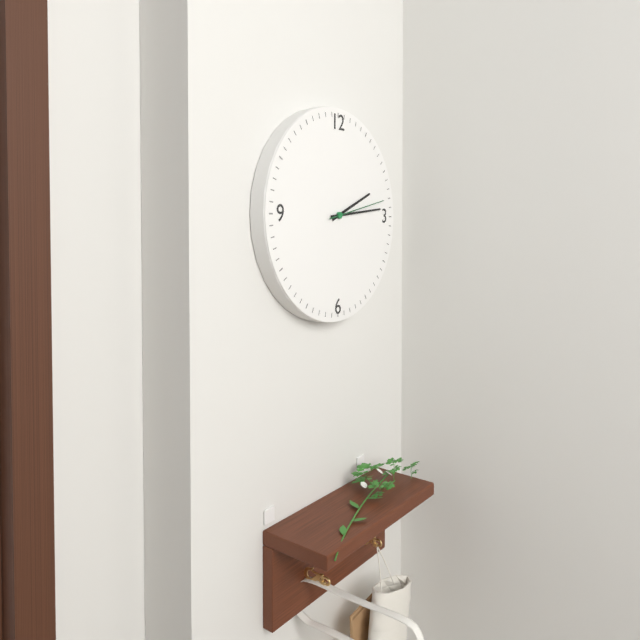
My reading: 2:14:13
